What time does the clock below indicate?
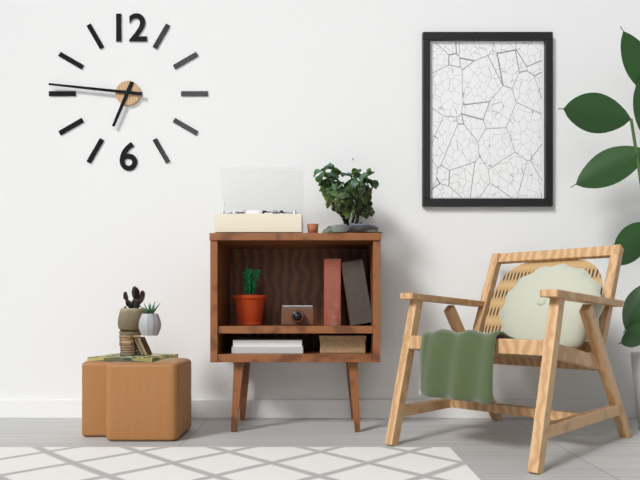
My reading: 6:46
